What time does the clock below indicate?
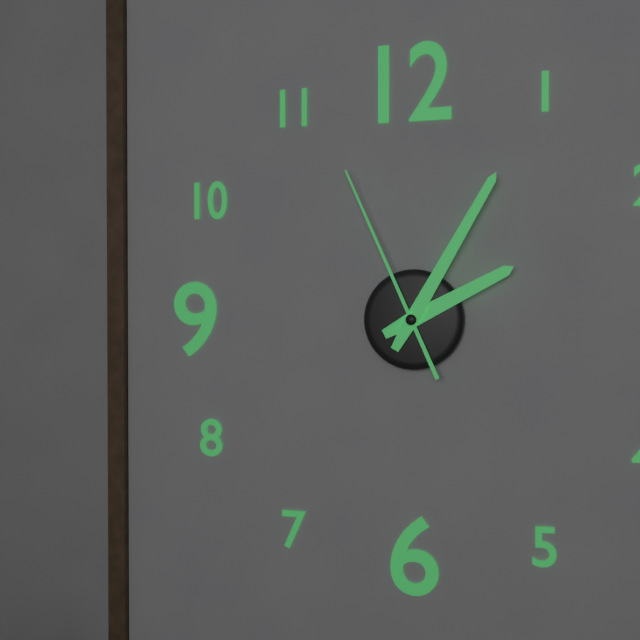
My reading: 2:05:56
